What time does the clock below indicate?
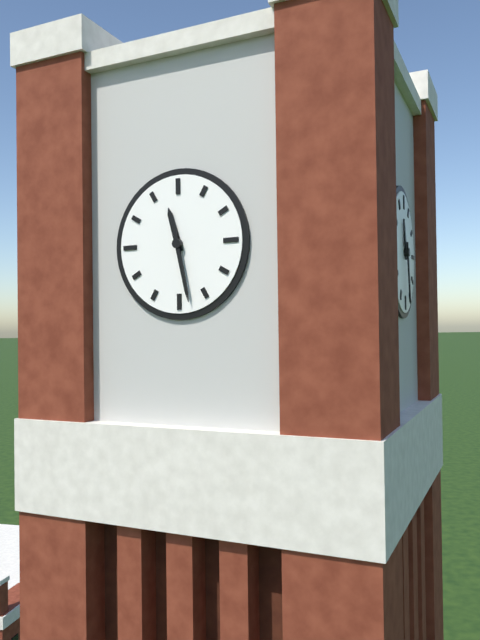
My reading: 11:28
